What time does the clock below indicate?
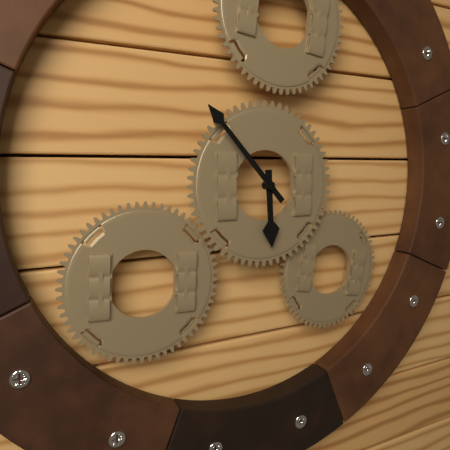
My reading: 5:53
